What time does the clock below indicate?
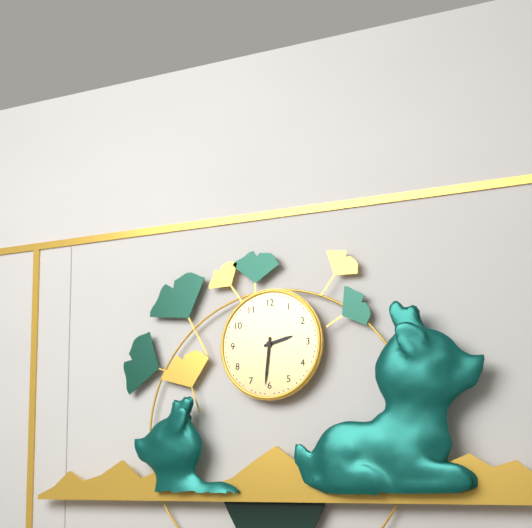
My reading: 2:31
